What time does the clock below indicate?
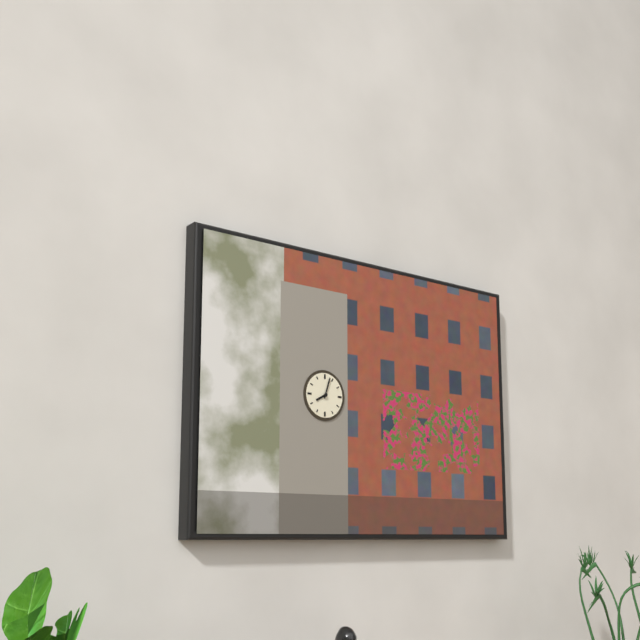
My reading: 8:03
